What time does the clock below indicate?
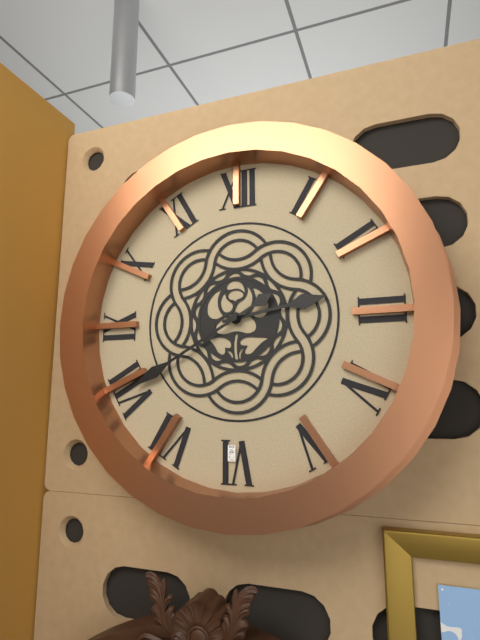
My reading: 2:40
